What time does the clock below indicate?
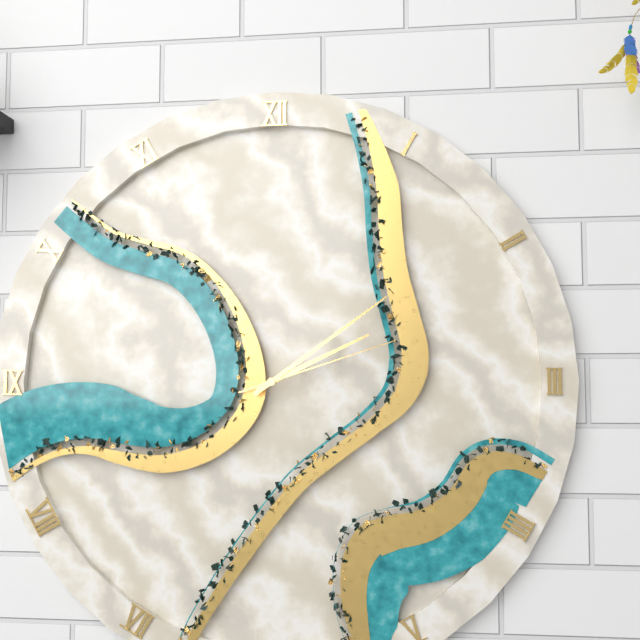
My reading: 2:09:12
